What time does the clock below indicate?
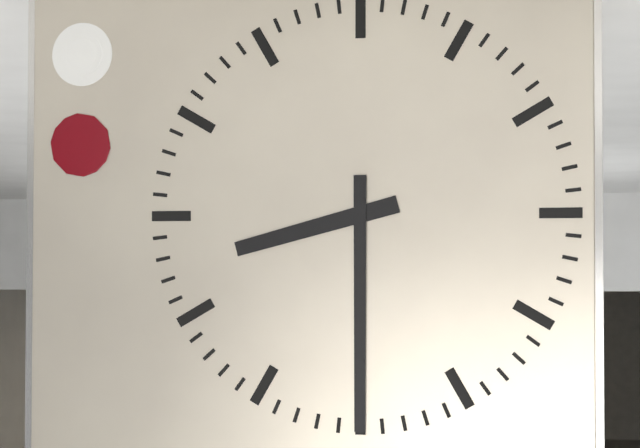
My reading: 8:30
